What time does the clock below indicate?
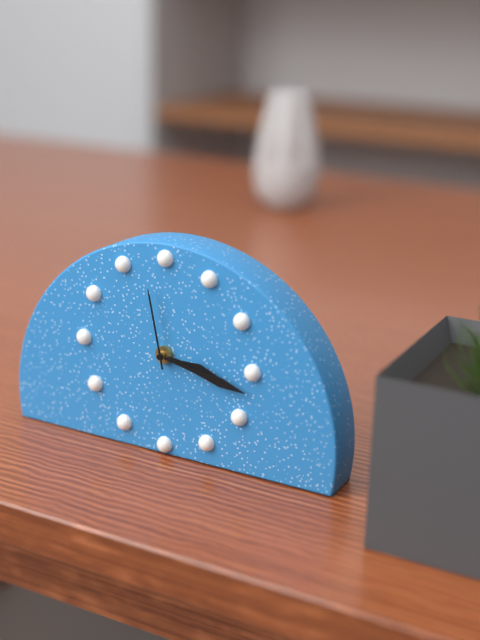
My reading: 3:17:58
